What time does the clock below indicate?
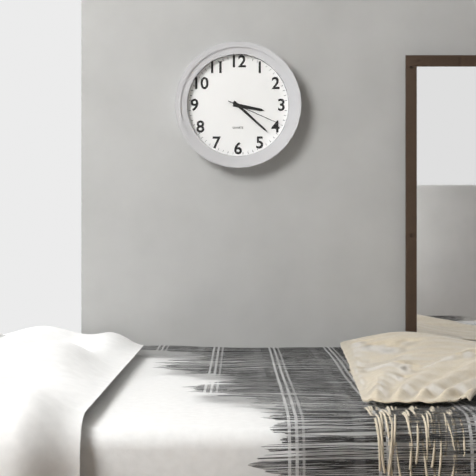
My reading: 3:22:19
